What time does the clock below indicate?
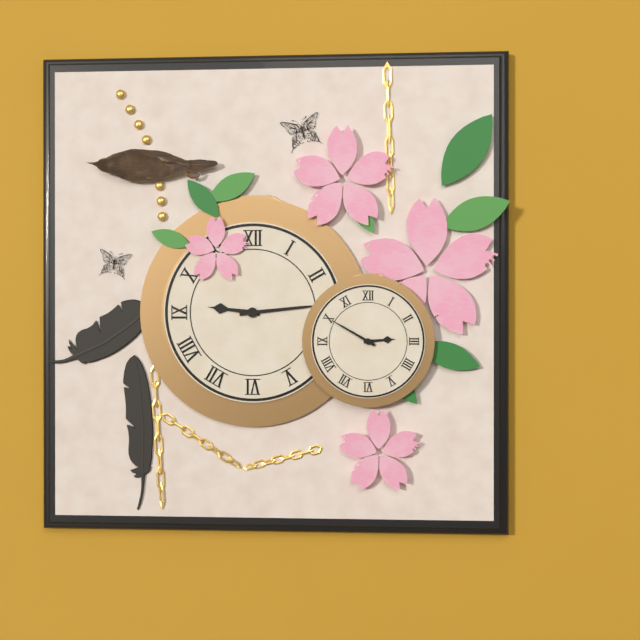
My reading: 9:14
